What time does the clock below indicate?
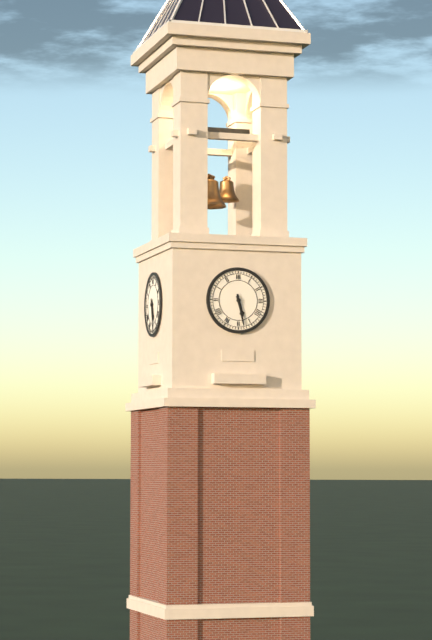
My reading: 5:28
